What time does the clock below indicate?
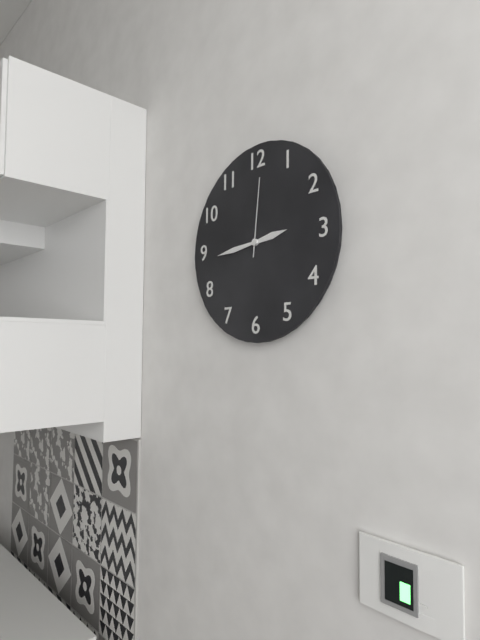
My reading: 2:44:01
